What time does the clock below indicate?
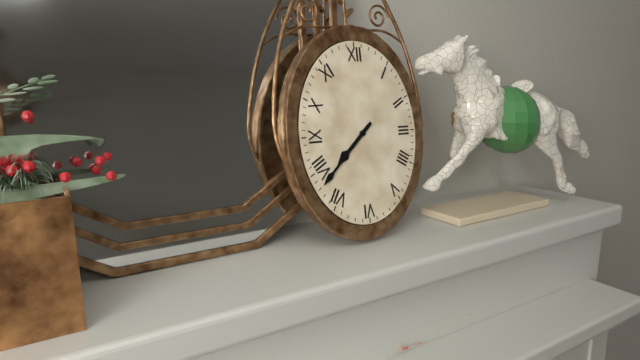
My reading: 7:38
